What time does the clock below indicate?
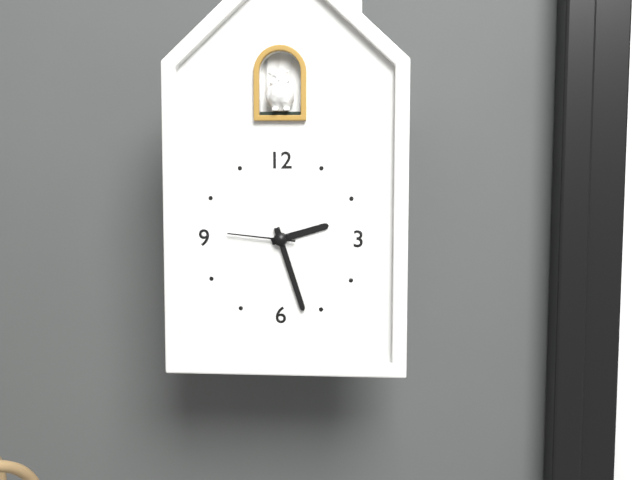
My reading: 2:27:46
